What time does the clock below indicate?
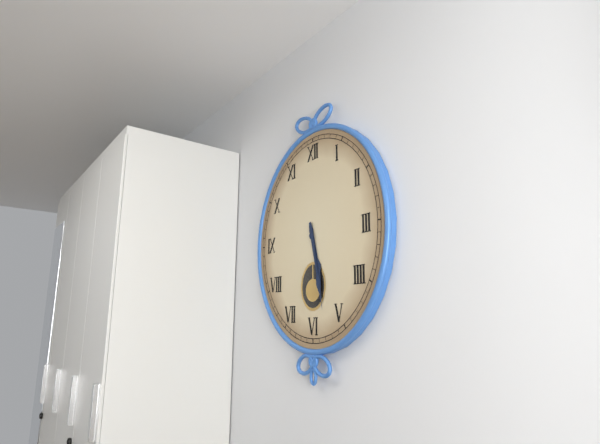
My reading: 5:28
